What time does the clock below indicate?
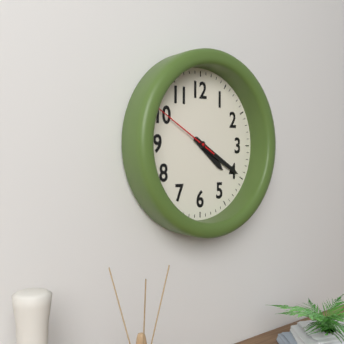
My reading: 4:20:50
